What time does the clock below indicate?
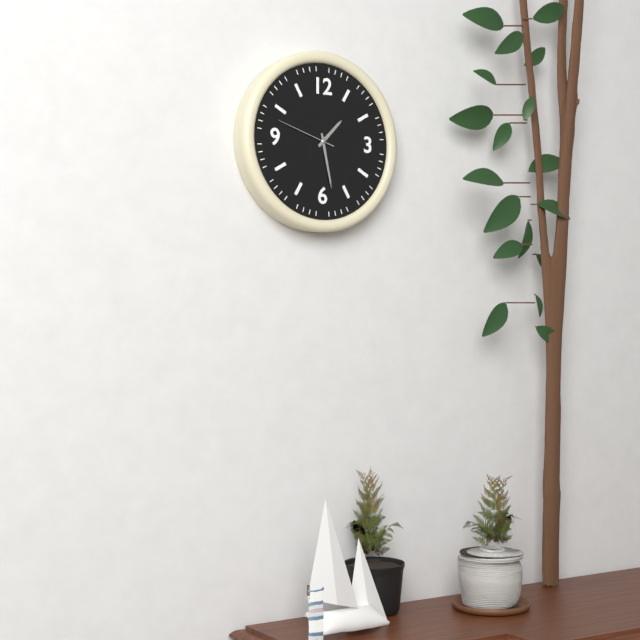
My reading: 1:28:48
